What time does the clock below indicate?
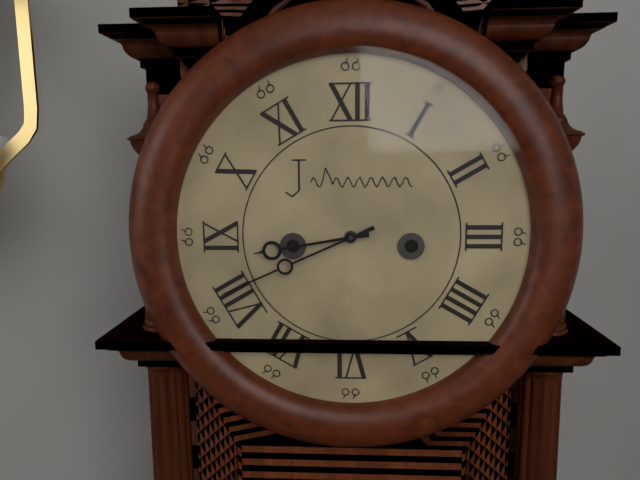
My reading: 8:41
